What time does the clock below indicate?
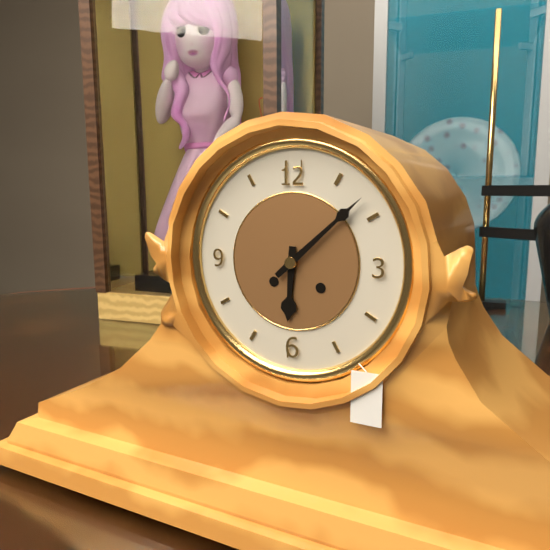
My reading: 6:08
